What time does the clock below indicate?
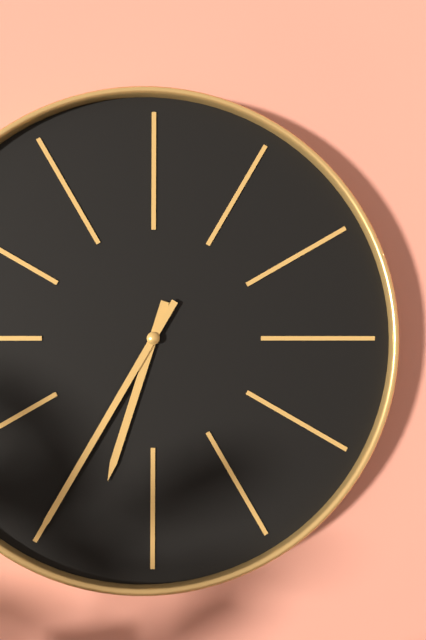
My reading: 6:35
